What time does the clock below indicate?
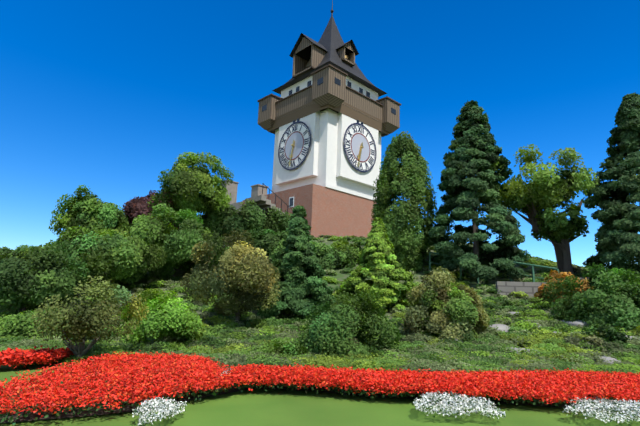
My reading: 6:32
